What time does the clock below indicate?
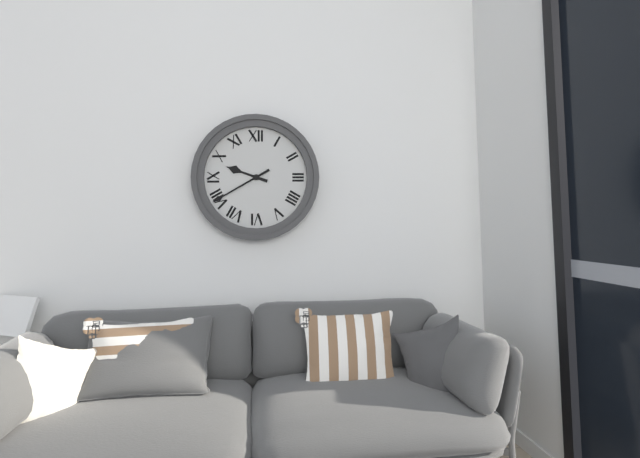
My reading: 9:40
